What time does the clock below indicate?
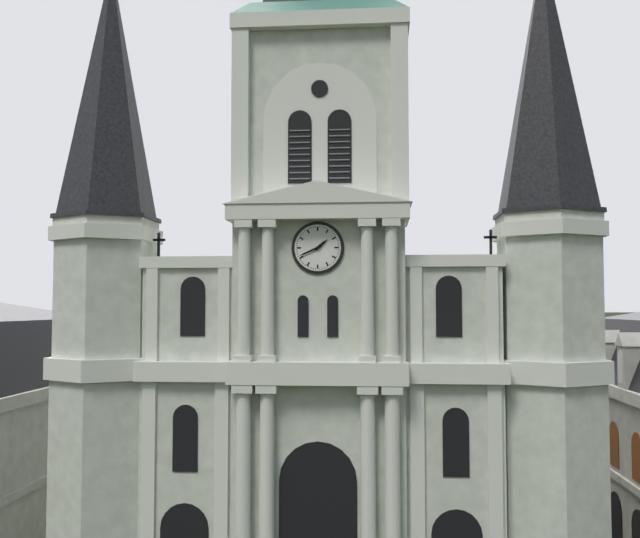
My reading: 1:41
